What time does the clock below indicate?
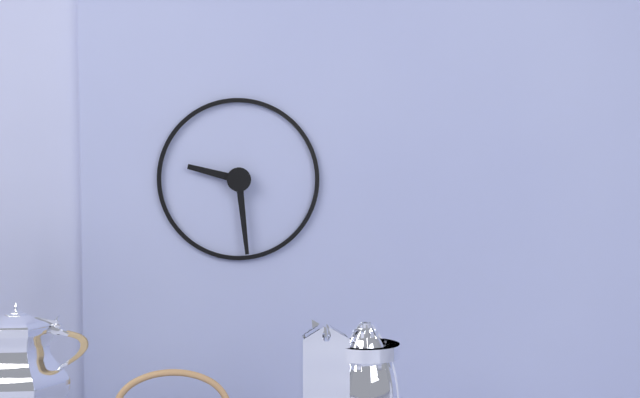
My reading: 9:29
